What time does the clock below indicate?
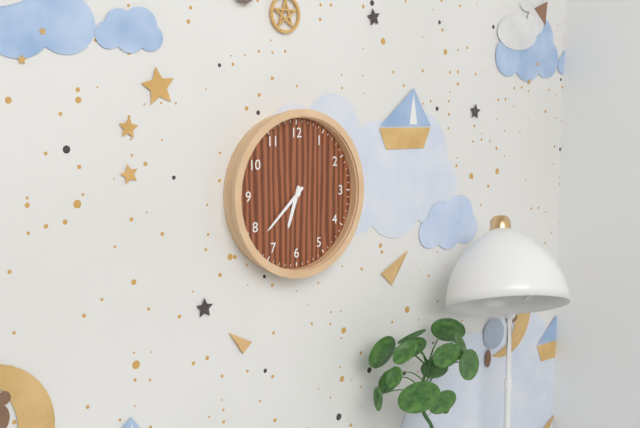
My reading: 6:38
